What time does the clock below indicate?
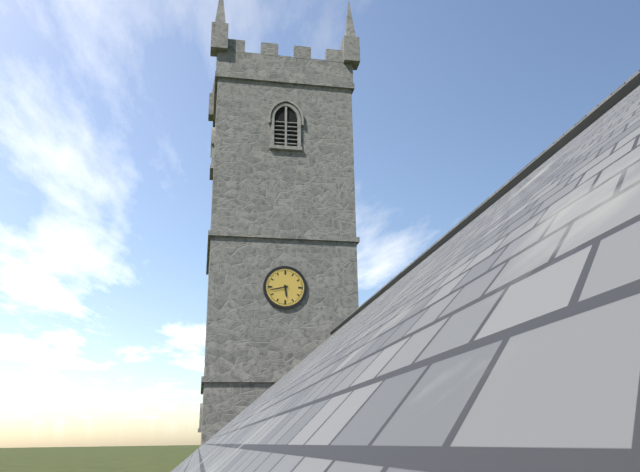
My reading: 5:43
